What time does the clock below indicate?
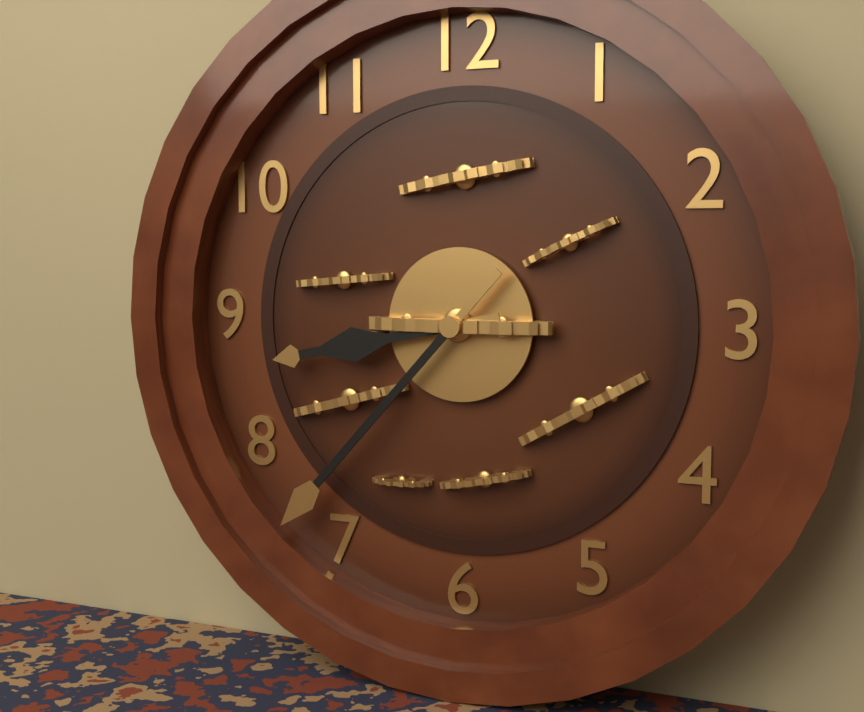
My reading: 8:37
